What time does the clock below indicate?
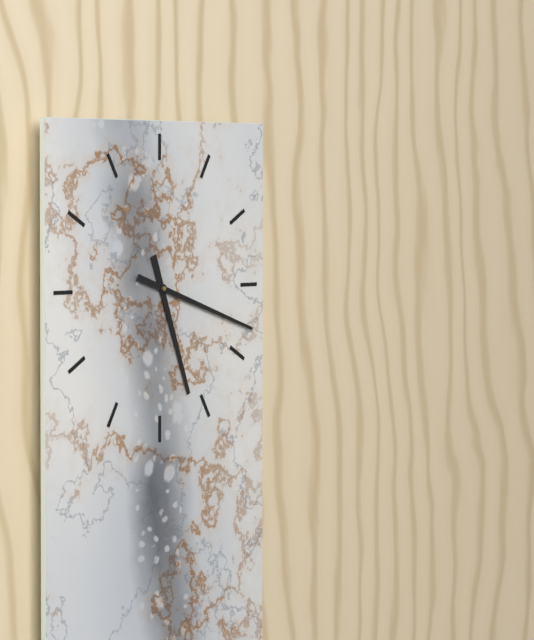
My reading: 5:18
